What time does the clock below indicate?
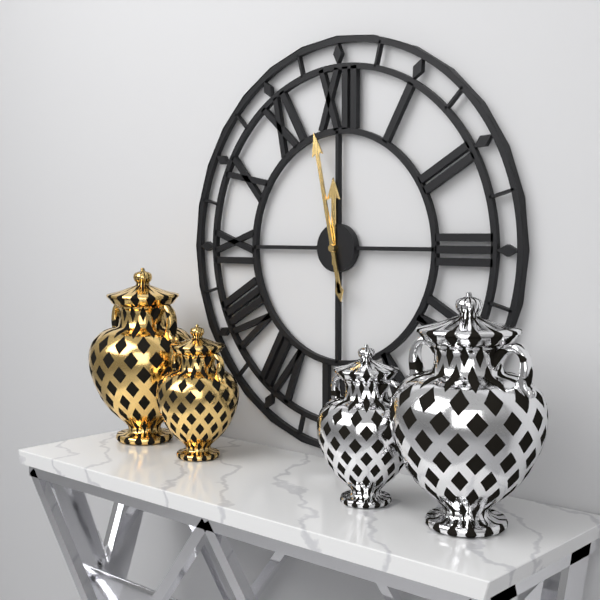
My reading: 11:58
